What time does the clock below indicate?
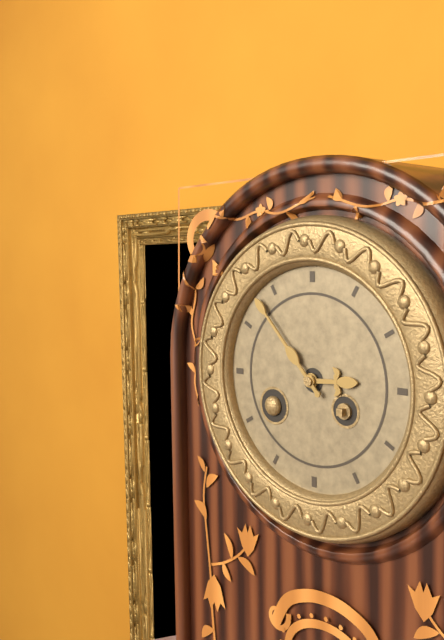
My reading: 2:53
